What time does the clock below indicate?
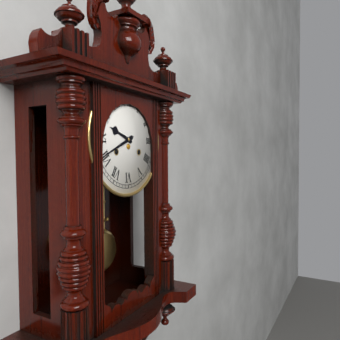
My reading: 9:41
